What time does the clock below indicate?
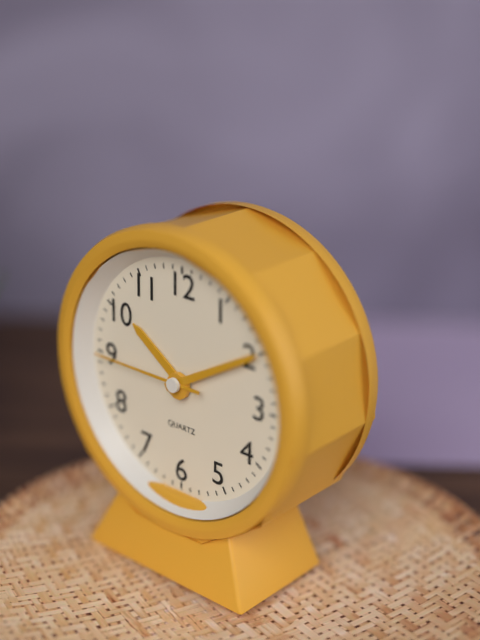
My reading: 10:10:45
